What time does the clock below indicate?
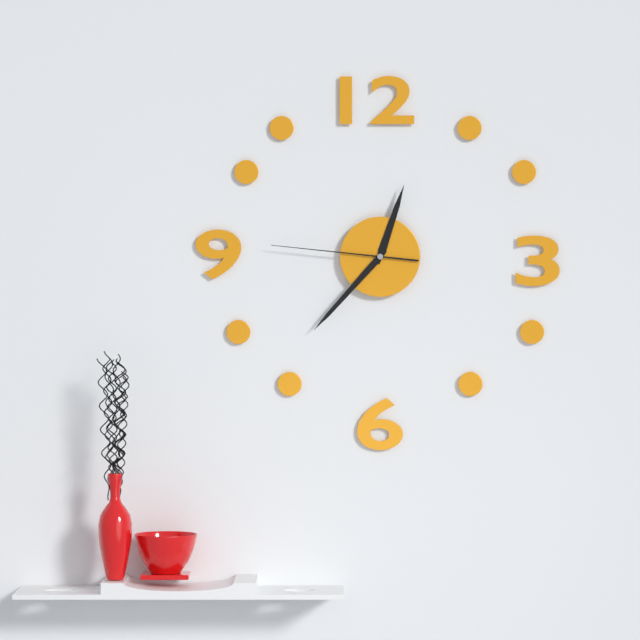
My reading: 12:37:46
